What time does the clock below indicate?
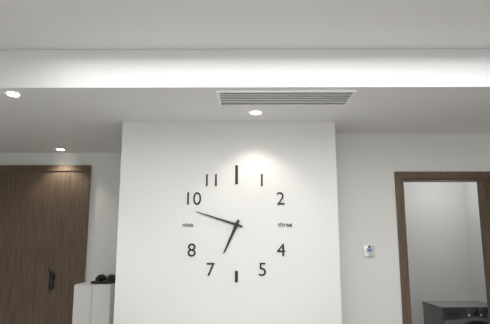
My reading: 6:48
